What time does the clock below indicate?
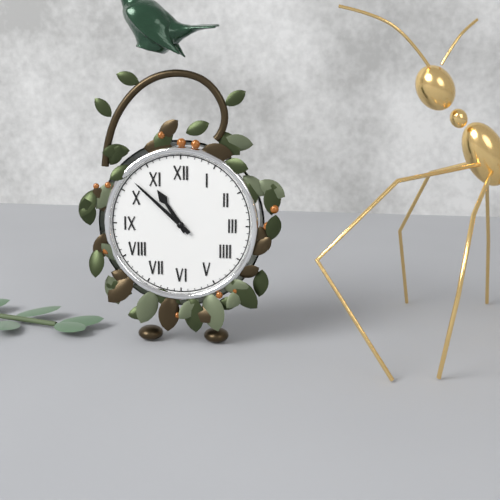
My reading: 10:52
